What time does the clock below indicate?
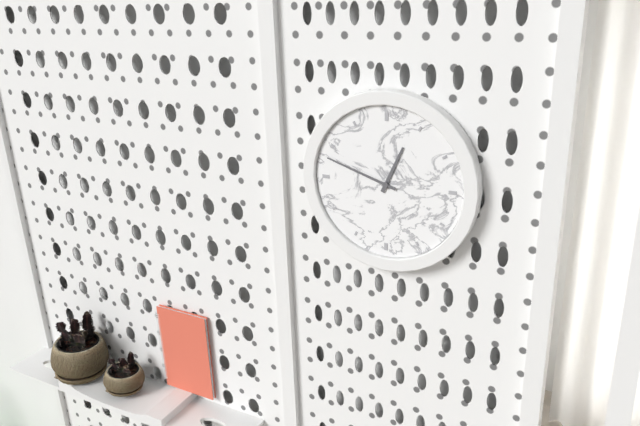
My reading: 12:48
